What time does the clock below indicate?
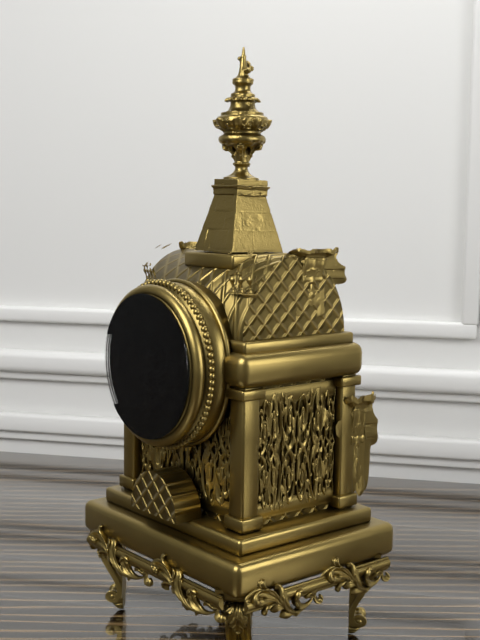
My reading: 9:25
